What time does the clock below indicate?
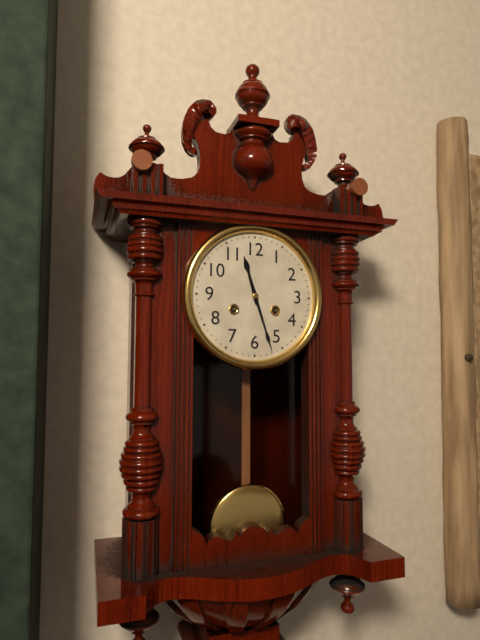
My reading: 11:27
